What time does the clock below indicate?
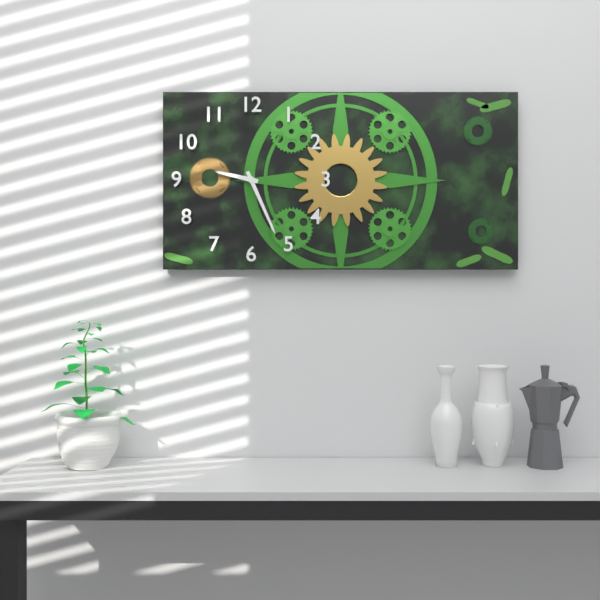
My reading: 9:26
